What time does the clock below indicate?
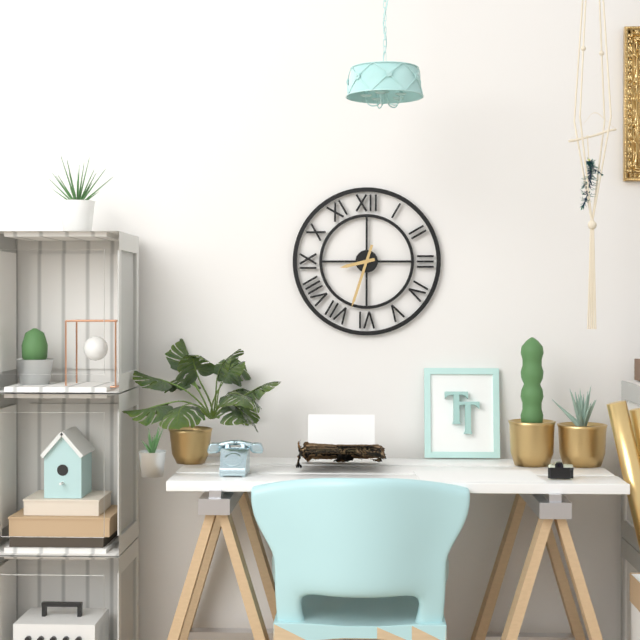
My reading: 8:33
